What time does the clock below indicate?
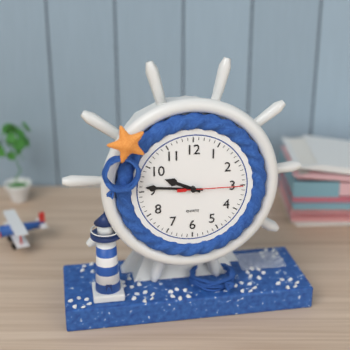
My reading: 9:46:15
